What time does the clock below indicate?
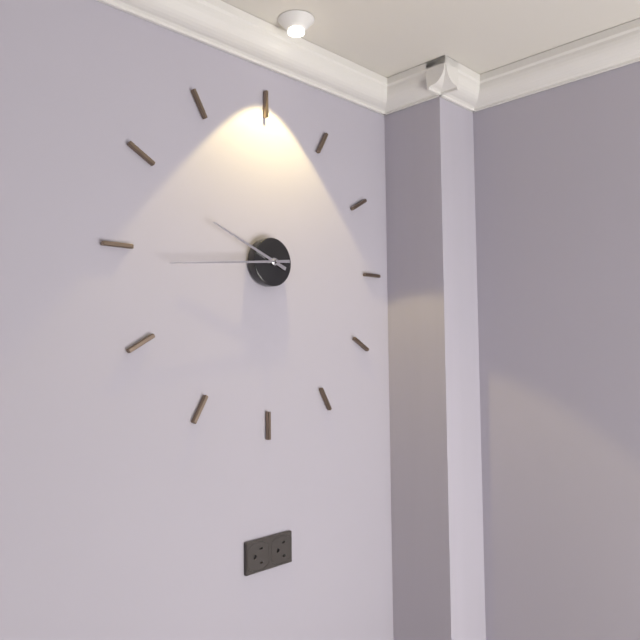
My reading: 9:44
